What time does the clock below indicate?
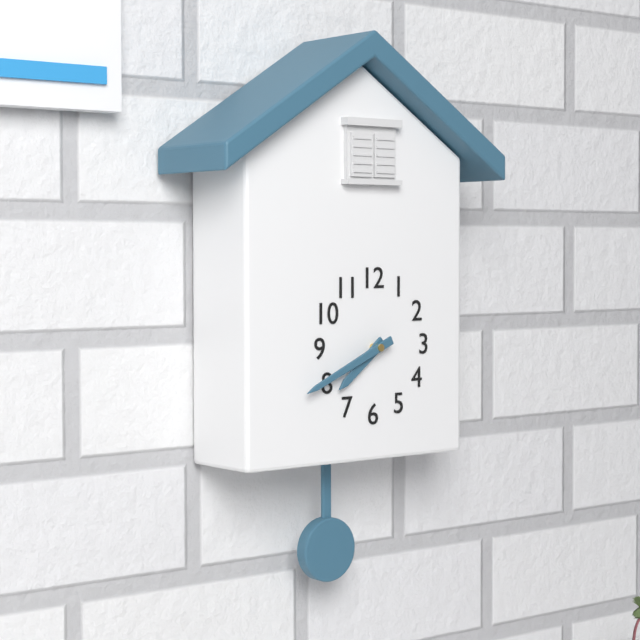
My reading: 7:41
